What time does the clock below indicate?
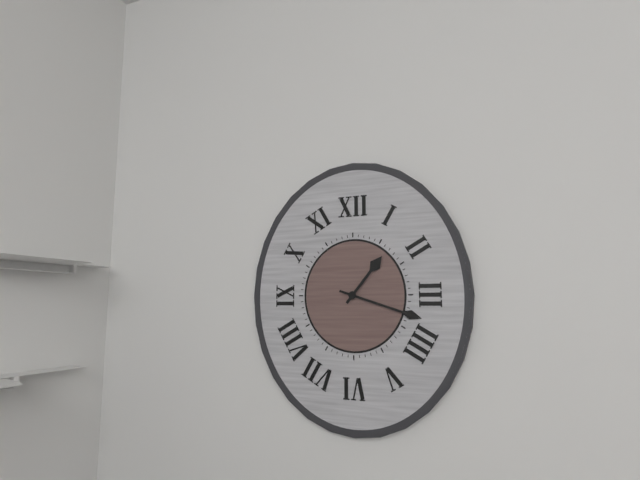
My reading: 1:18
